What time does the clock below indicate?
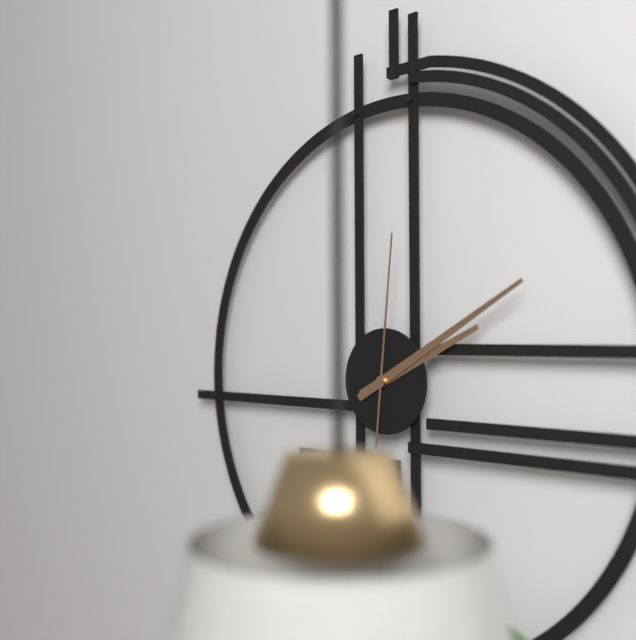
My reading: 2:10:01
